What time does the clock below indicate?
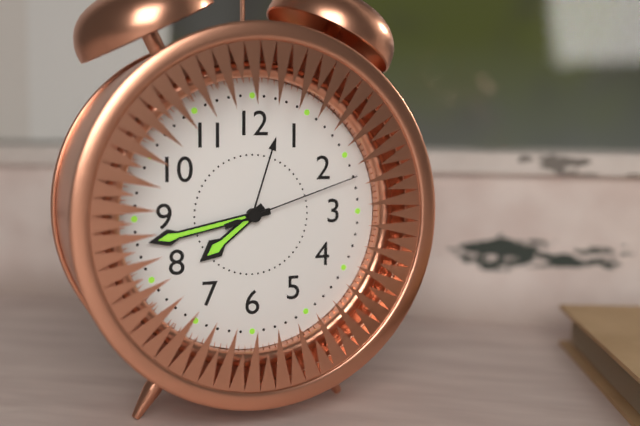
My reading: 7:43:12
